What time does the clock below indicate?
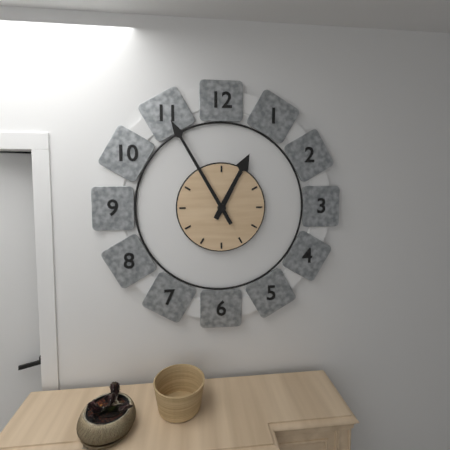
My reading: 12:55
